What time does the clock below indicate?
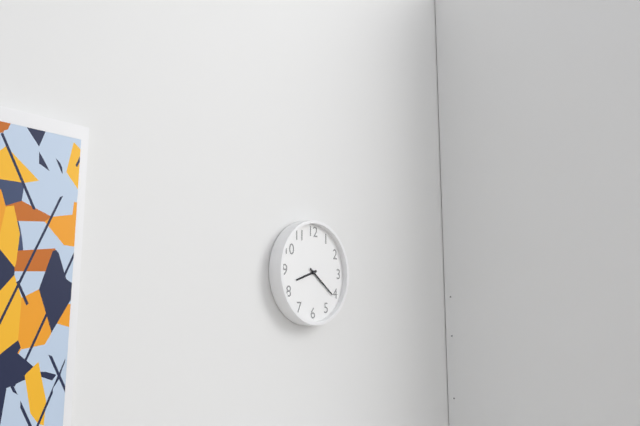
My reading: 8:21
